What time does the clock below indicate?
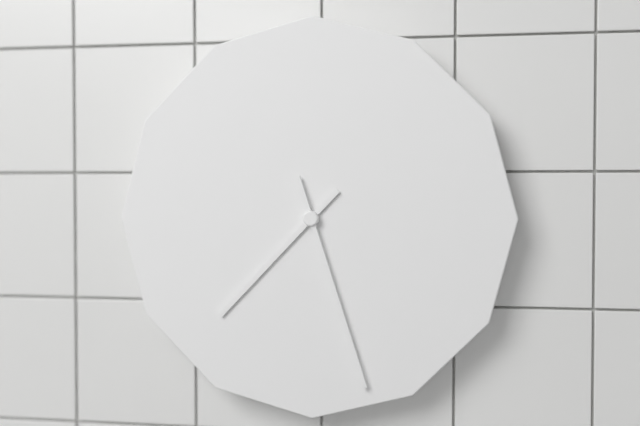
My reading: 7:27
